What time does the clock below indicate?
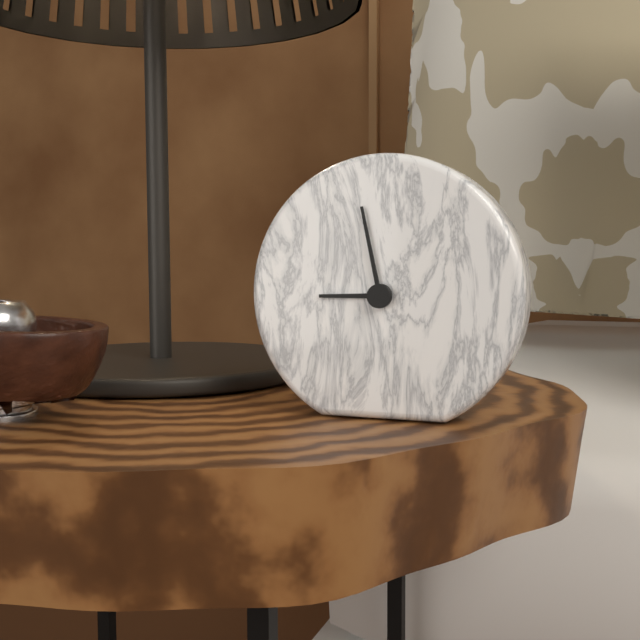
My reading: 8:58
